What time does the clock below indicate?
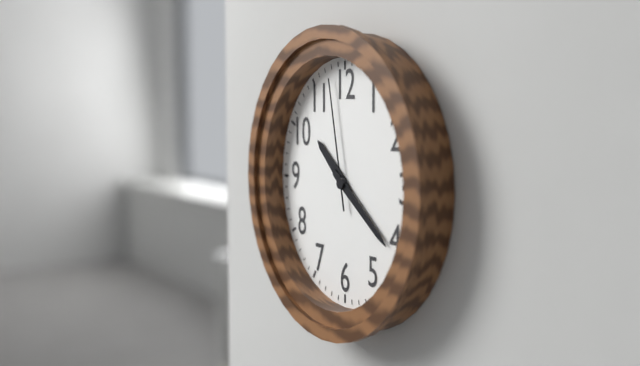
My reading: 10:21:58
